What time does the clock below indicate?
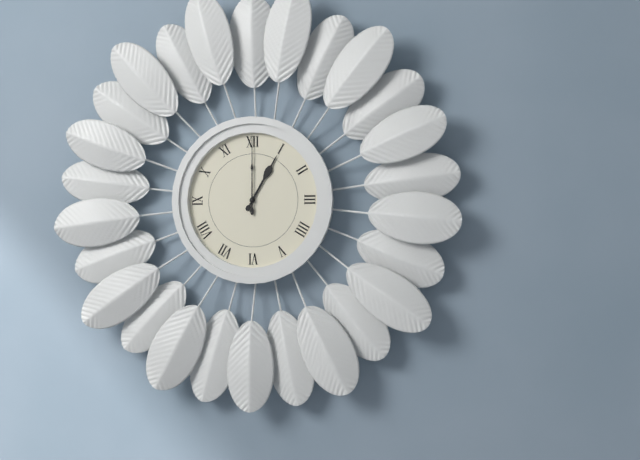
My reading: 1:00
